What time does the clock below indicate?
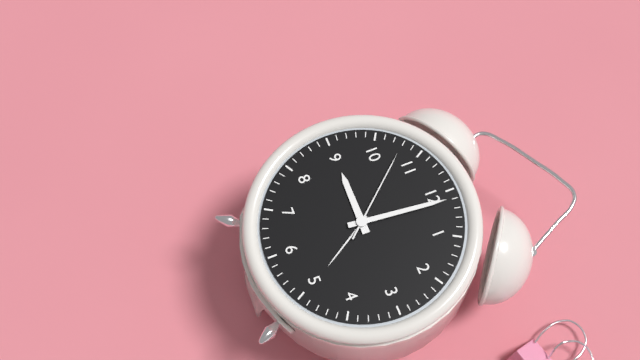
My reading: 9:01:53
